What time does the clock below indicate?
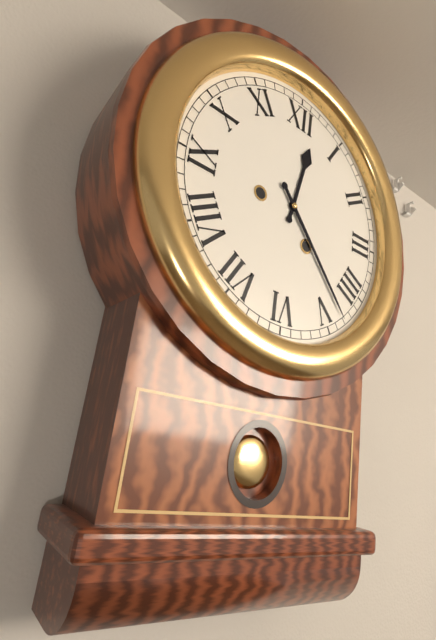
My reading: 12:23
